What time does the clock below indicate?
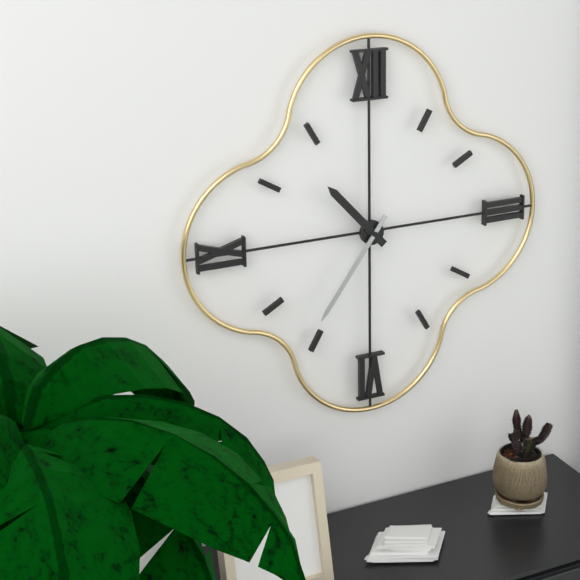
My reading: 10:36
